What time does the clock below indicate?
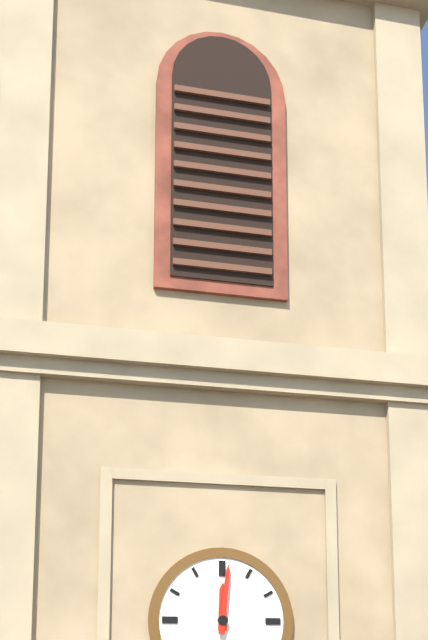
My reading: 12:01
